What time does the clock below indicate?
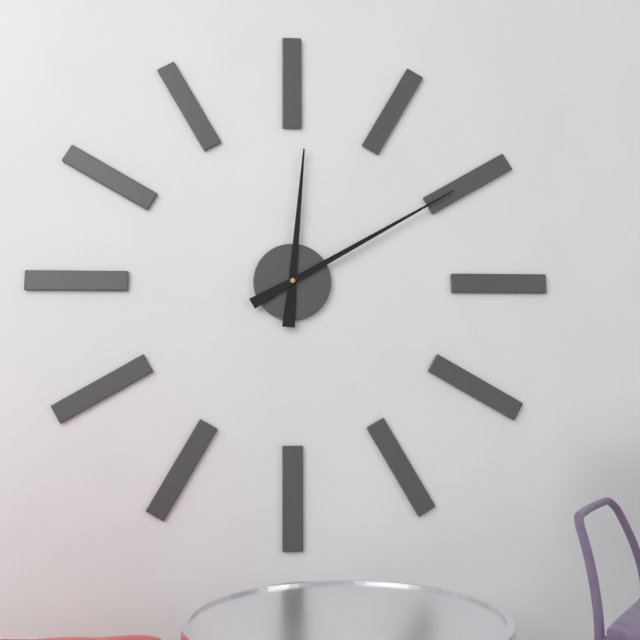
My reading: 12:10
